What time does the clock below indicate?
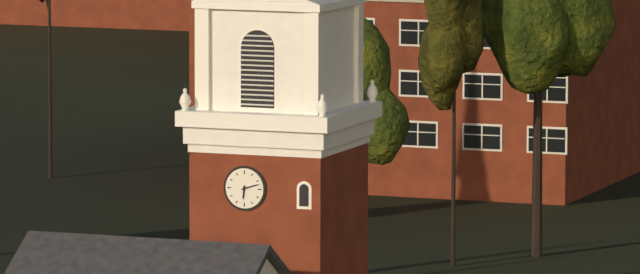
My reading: 6:12
